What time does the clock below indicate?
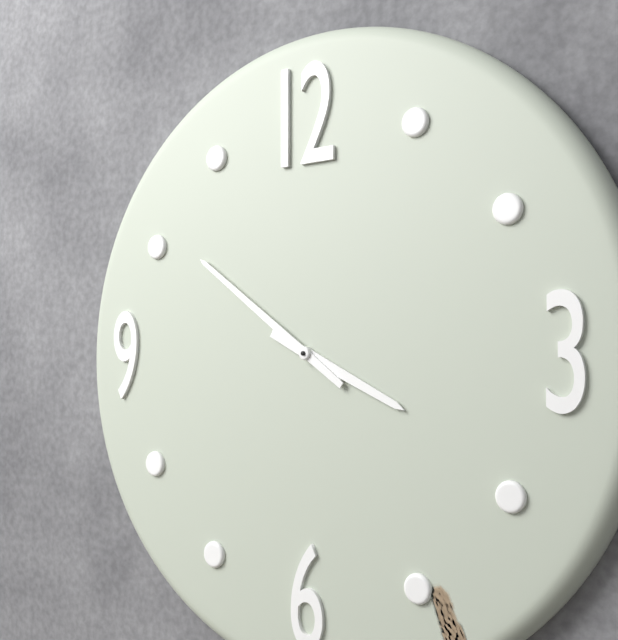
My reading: 3:51
